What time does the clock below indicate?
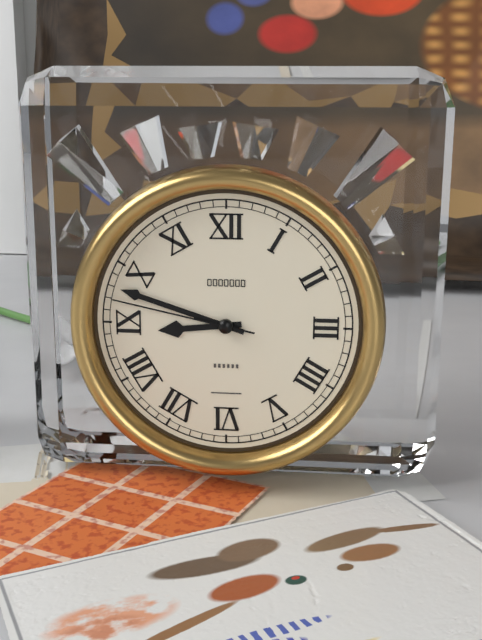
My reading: 8:48:47
